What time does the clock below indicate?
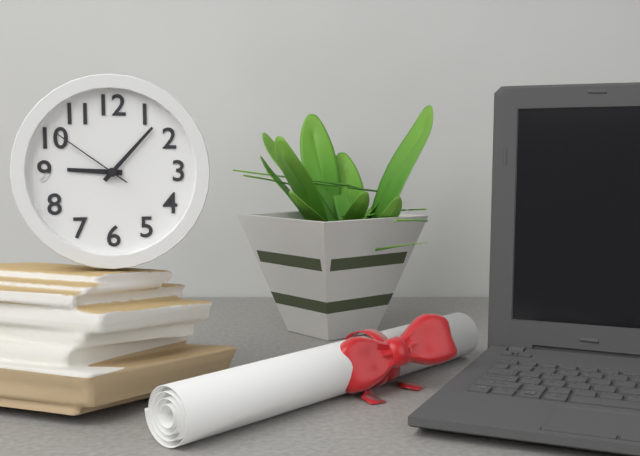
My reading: 9:07:51
